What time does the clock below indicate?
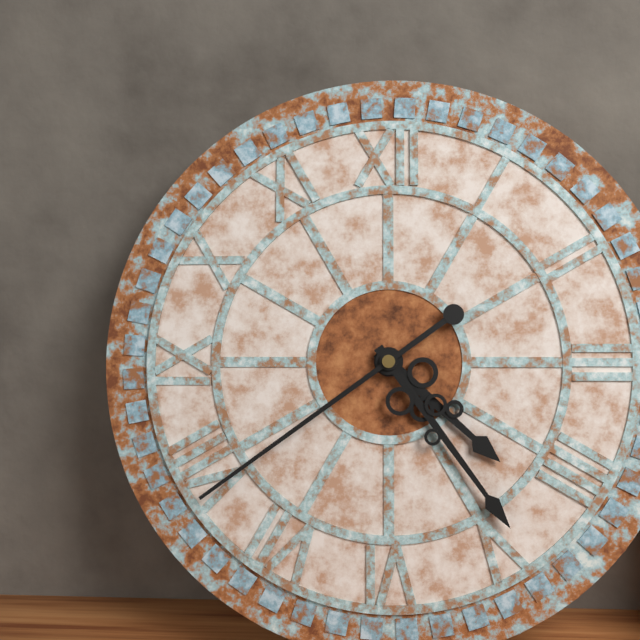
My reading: 4:24:39
